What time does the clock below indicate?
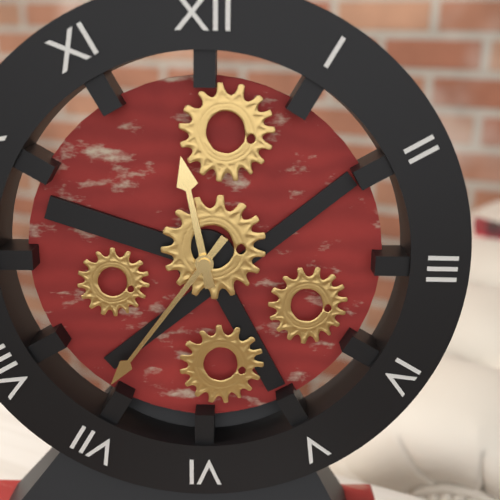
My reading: 11:36
